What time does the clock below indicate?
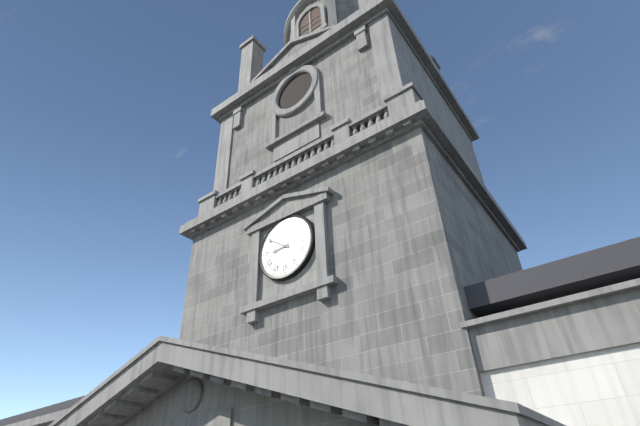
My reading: 8:51
